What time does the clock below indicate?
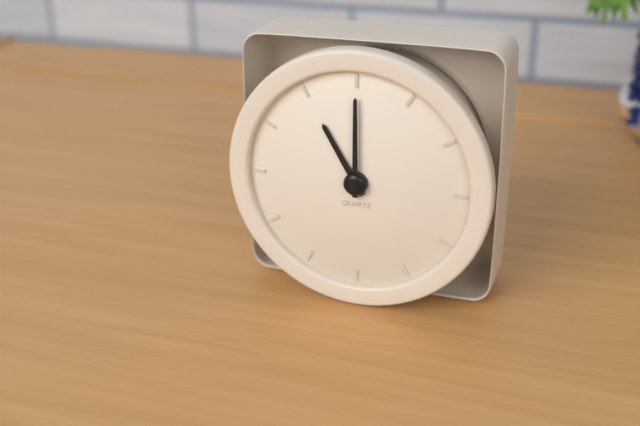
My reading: 11:00
